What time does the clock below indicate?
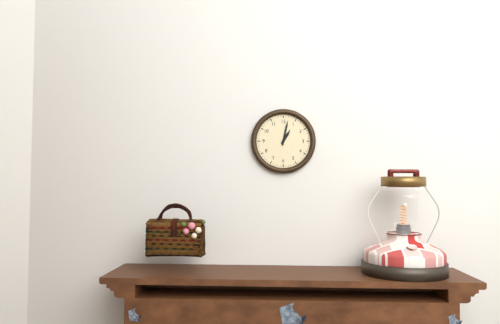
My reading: 1:02
